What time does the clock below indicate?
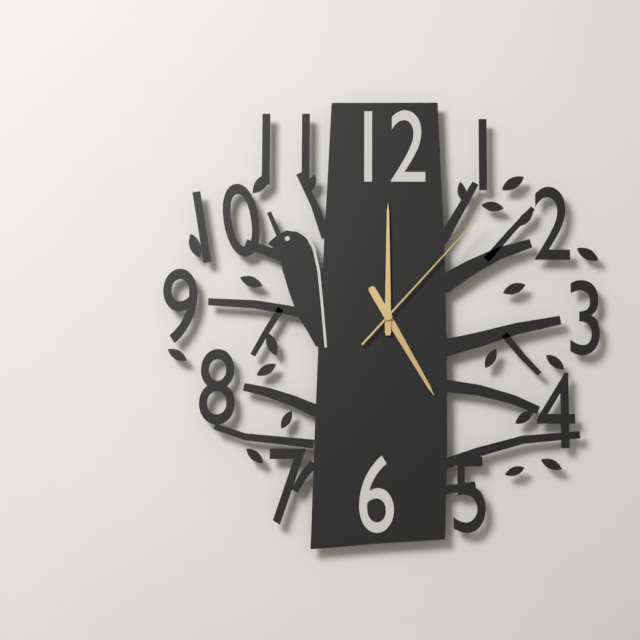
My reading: 5:00:07
